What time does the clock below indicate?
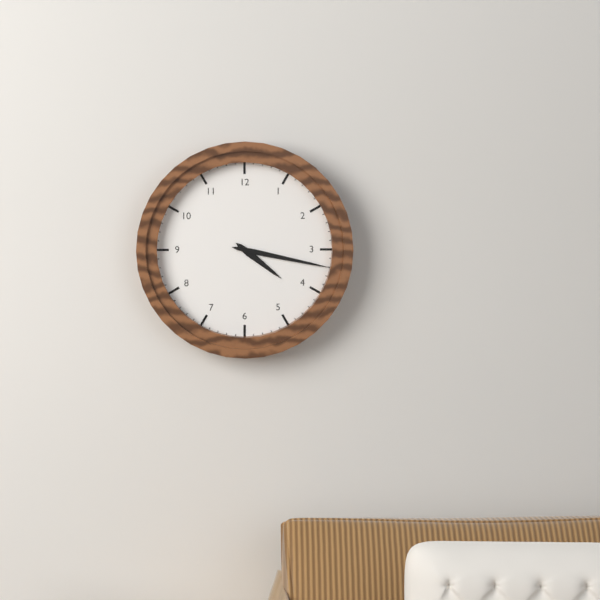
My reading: 4:17
